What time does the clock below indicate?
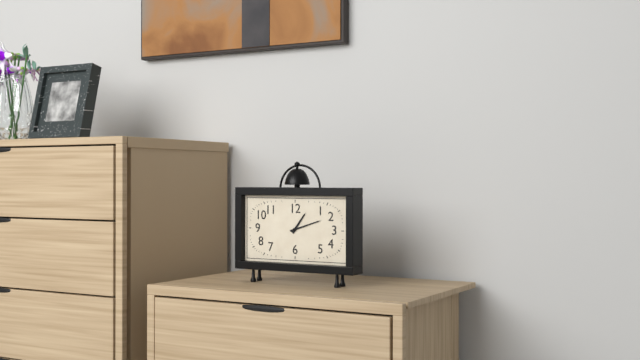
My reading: 1:12
